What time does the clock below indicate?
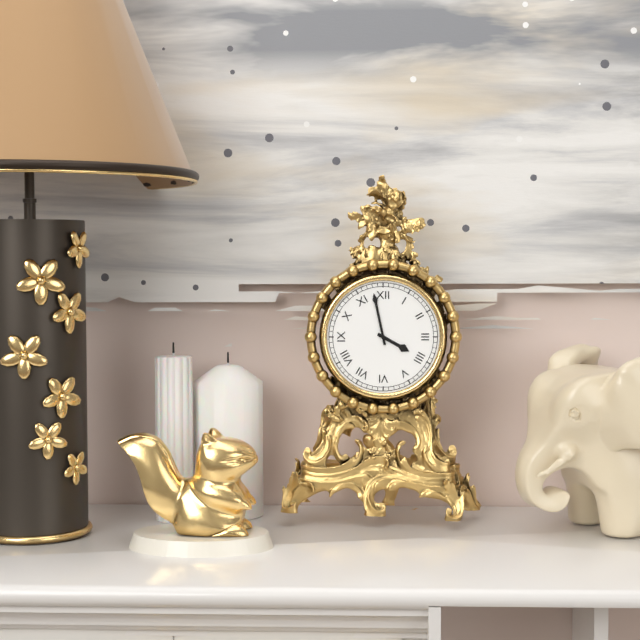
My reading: 3:58
